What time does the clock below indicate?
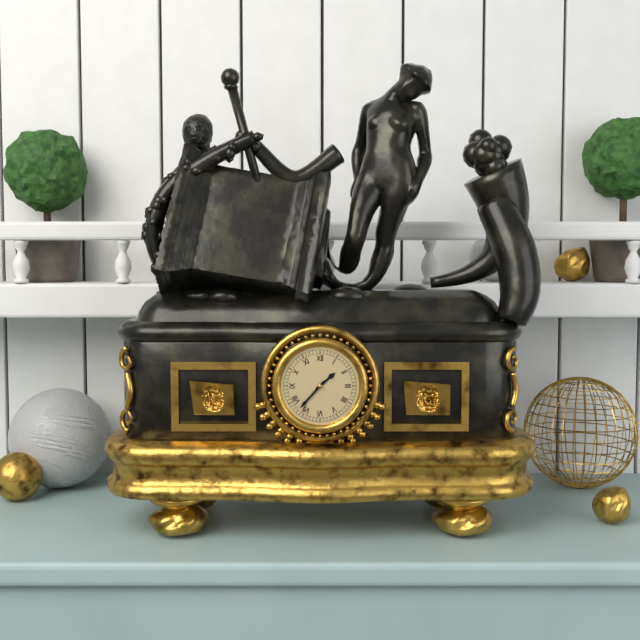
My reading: 1:37
